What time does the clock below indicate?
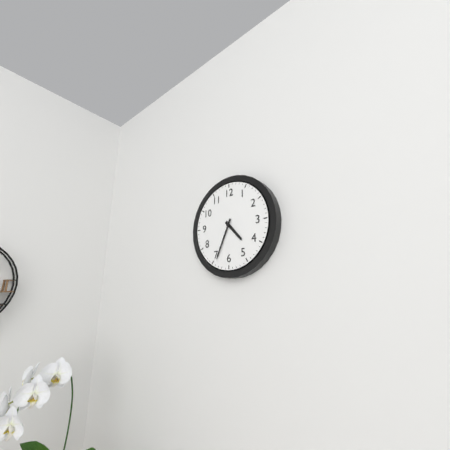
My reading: 4:34
